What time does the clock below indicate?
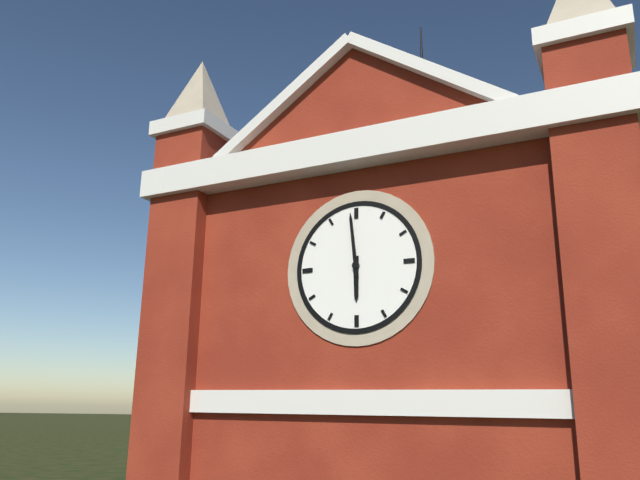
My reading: 5:59
